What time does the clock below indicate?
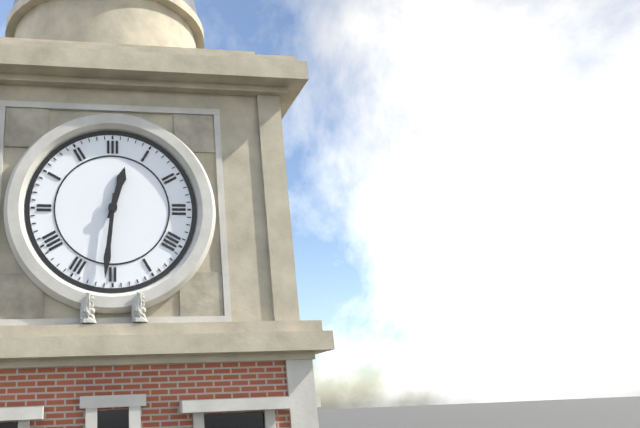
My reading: 12:31
